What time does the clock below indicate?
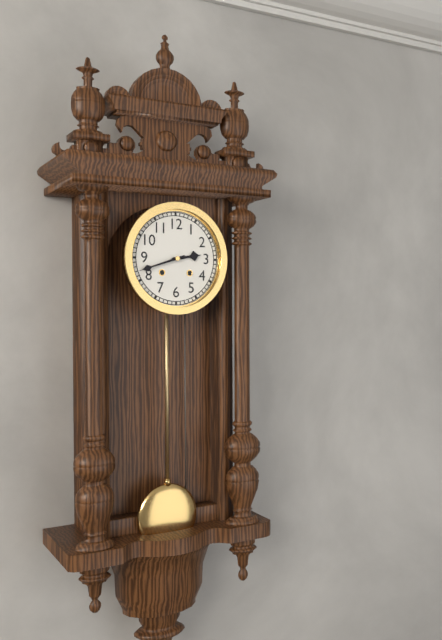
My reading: 2:42
